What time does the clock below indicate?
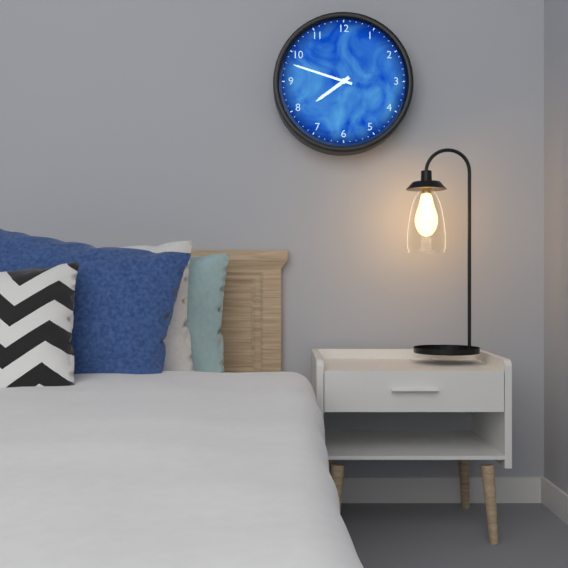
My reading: 7:48
